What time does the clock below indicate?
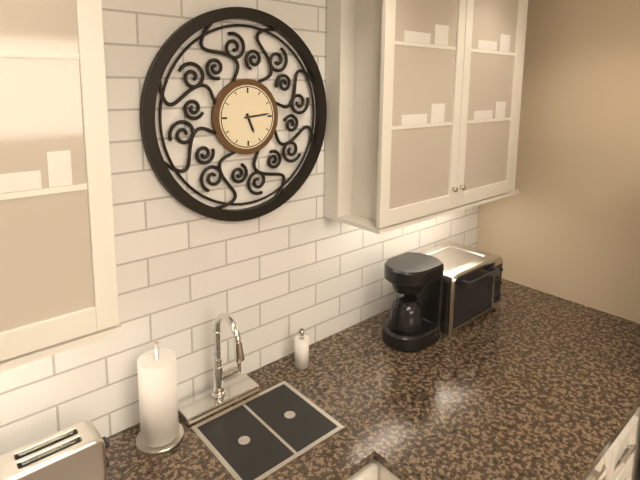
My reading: 5:14
